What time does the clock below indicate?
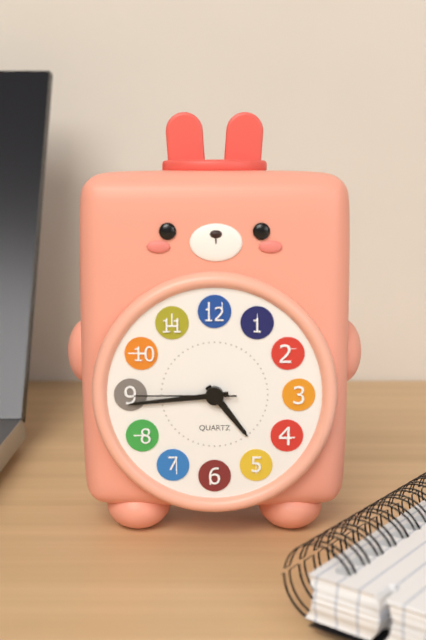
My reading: 4:44:45
